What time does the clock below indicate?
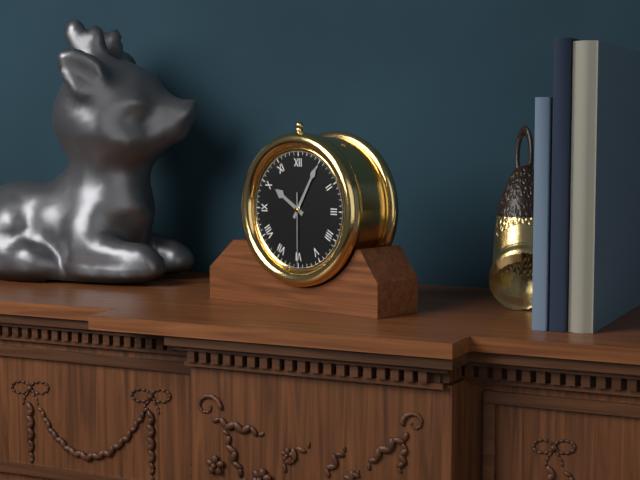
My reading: 10:05:30
